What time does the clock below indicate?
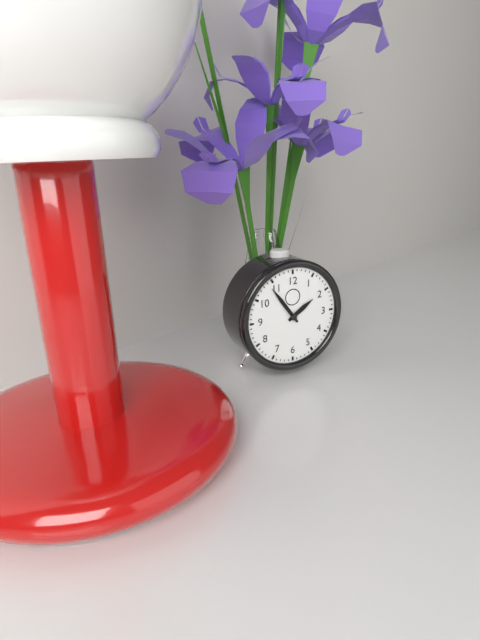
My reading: 1:54
